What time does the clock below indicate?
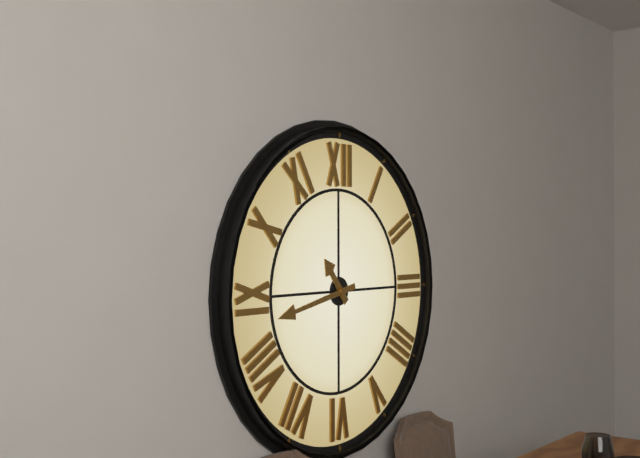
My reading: 10:43
